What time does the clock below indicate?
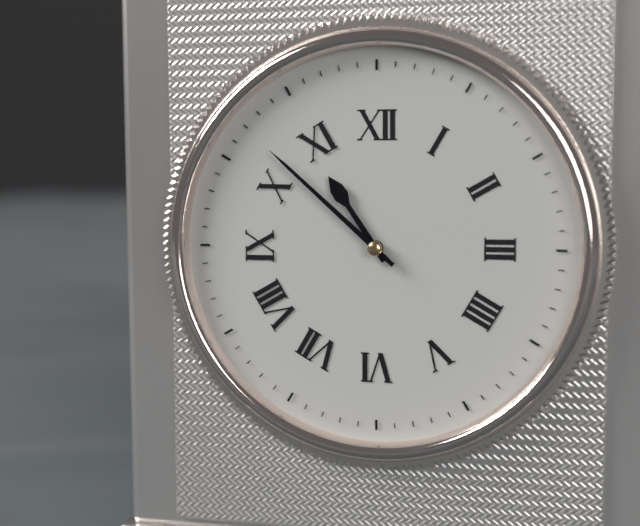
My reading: 10:52
